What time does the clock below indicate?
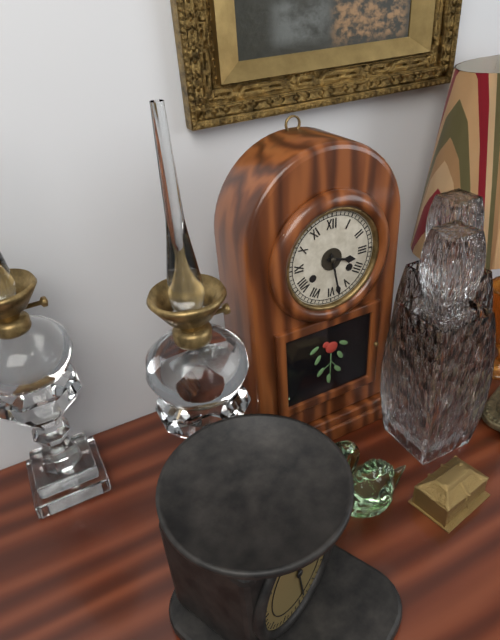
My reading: 3:28
